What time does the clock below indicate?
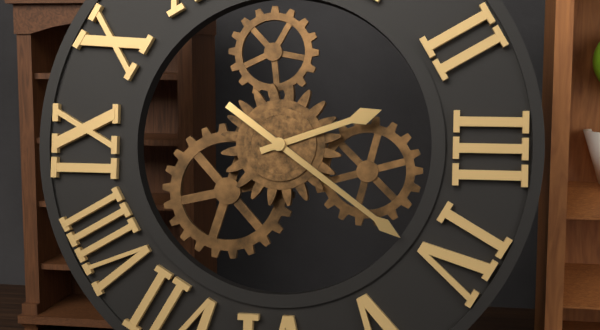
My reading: 2:21
